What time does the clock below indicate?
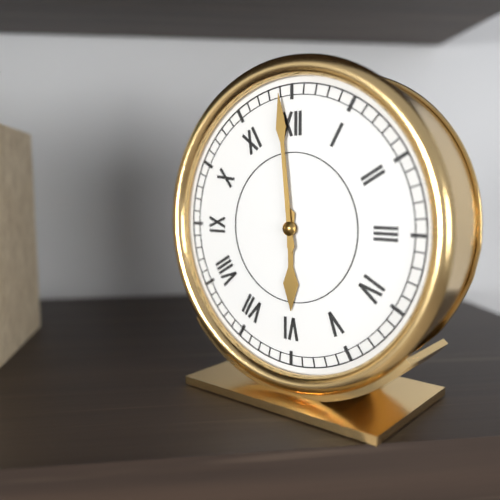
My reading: 5:59
